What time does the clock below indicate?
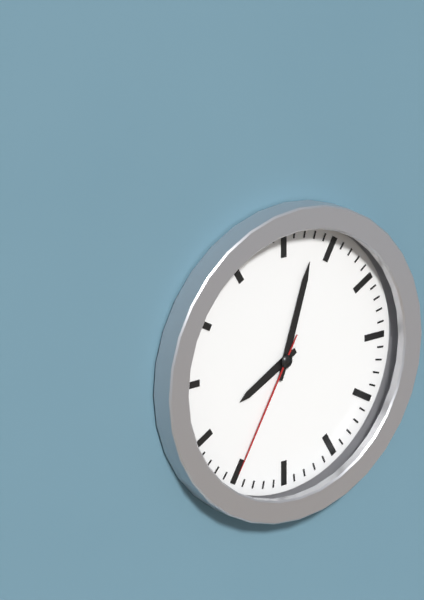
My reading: 8:03:35
